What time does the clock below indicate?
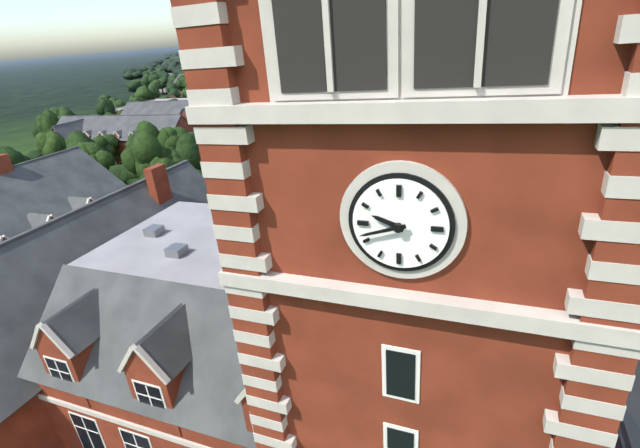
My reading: 9:42
